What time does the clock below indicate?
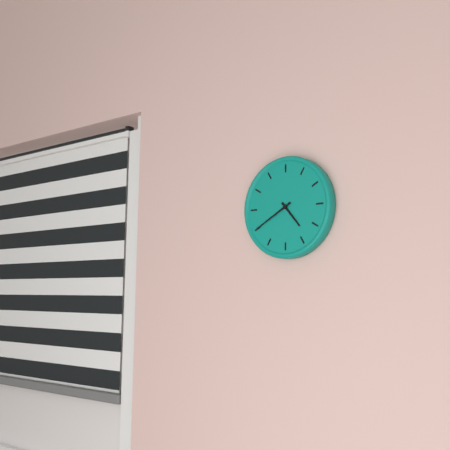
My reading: 4:40
